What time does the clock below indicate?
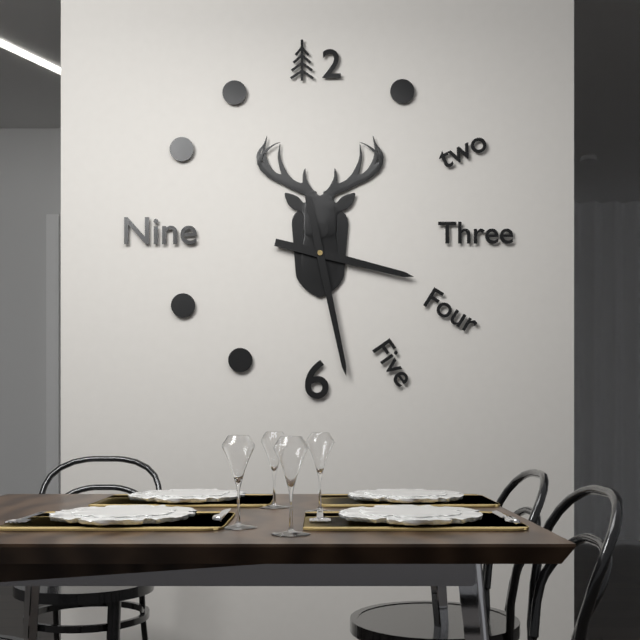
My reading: 3:28
